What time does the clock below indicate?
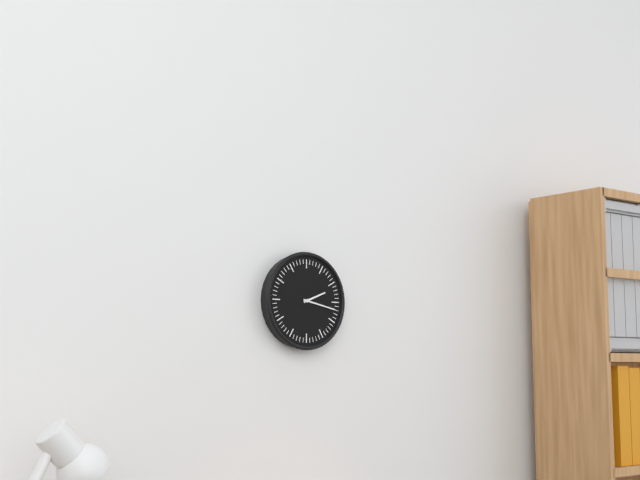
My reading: 2:17
